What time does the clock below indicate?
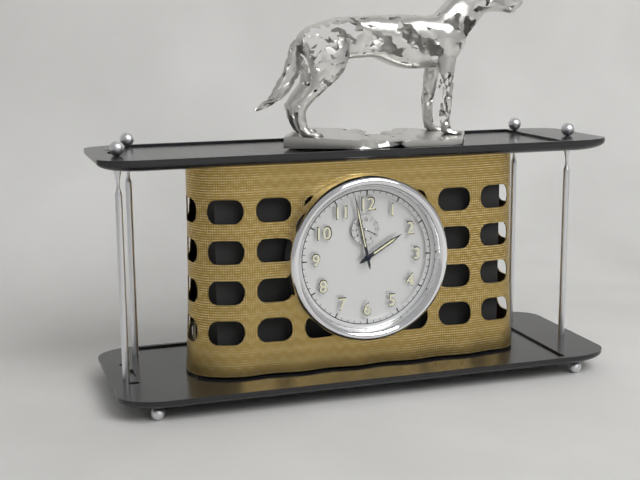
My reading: 1:58
